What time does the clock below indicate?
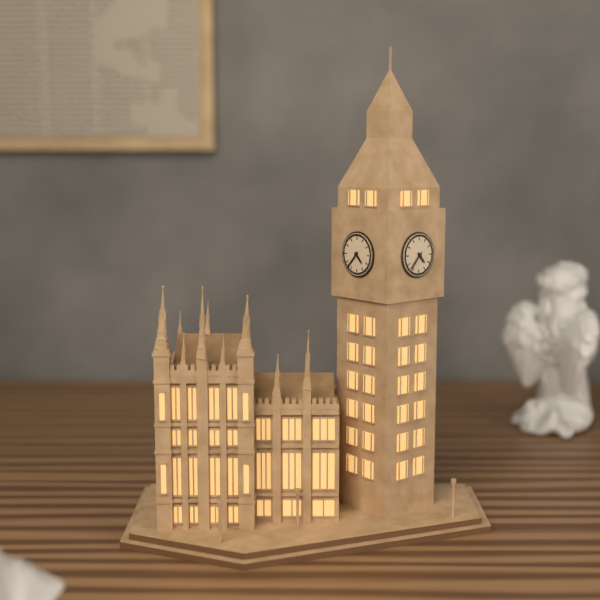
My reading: 4:37
